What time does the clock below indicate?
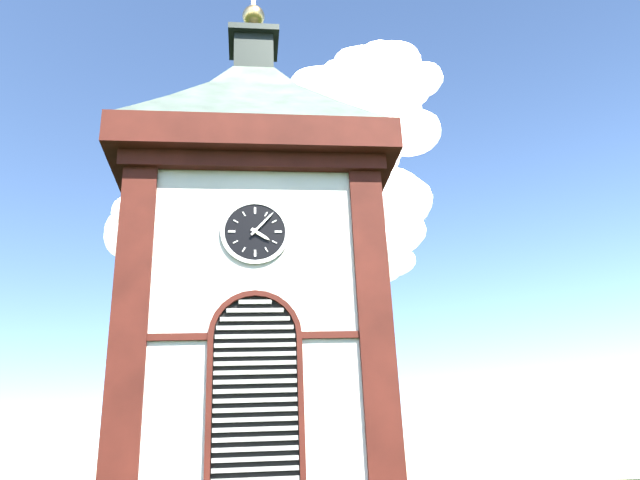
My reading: 4:07
